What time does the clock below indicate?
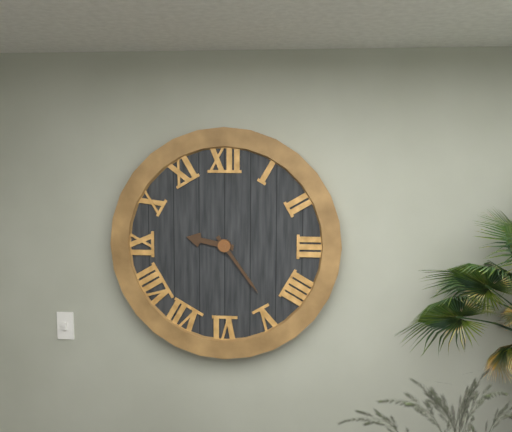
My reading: 9:24
